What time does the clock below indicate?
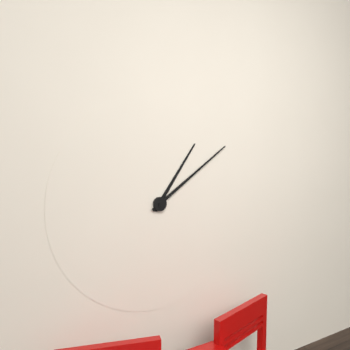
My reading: 1:09
